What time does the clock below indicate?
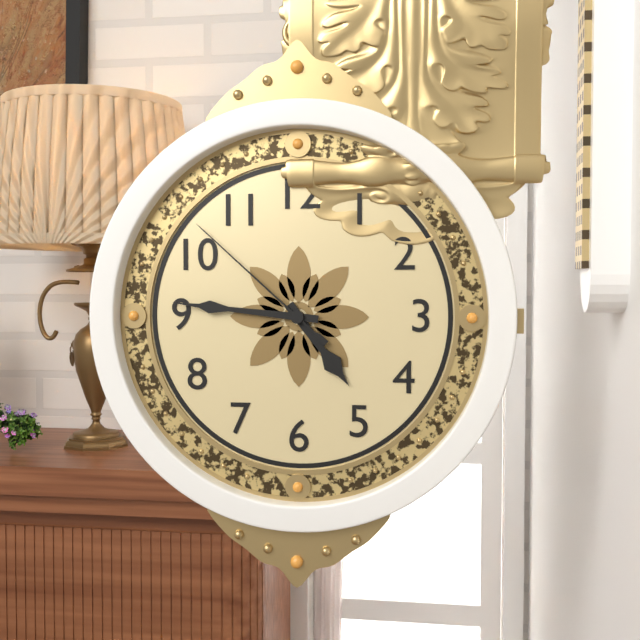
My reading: 4:46:52
